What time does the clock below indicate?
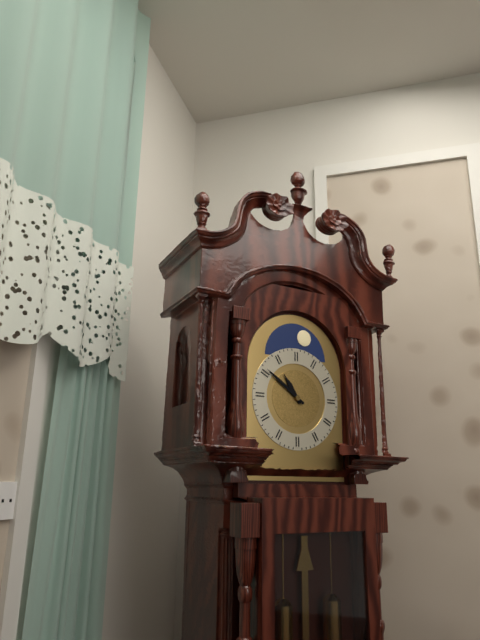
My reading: 10:51
